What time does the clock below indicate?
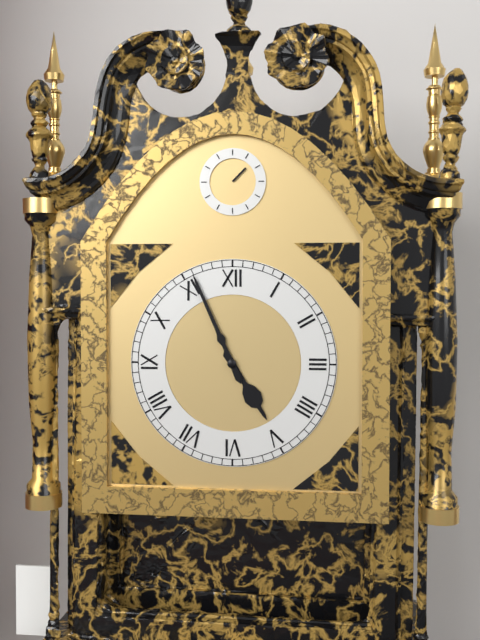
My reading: 4:56
